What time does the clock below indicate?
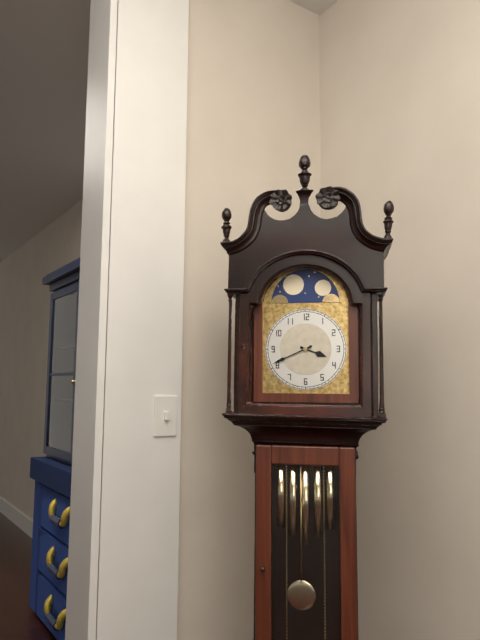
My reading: 3:41
